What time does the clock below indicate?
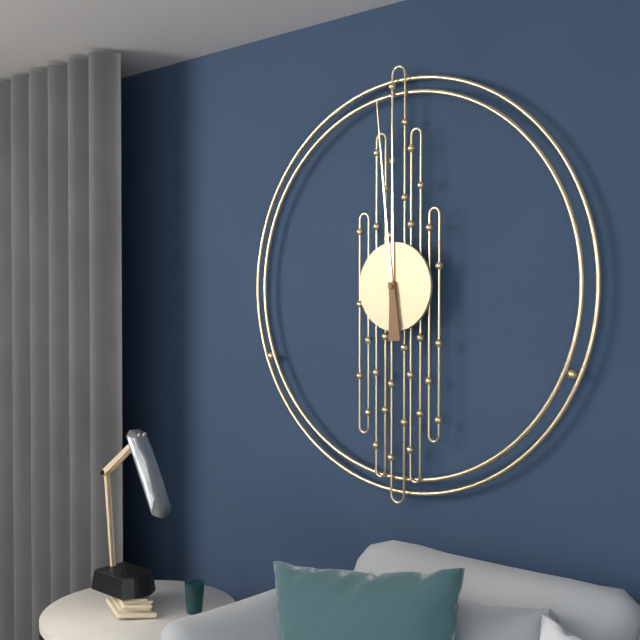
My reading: 11:59
